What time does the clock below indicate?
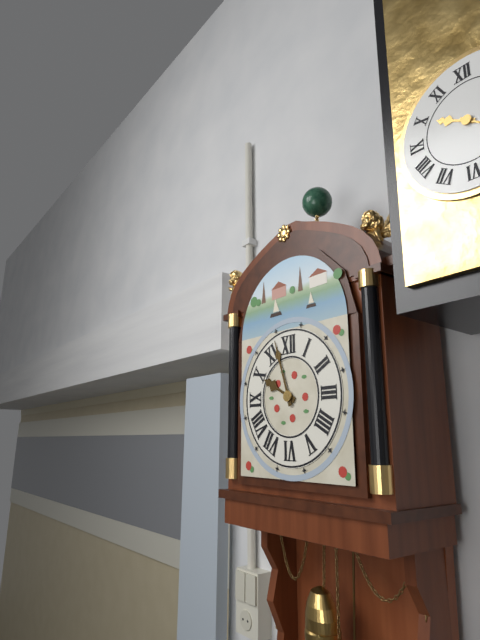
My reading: 9:57
